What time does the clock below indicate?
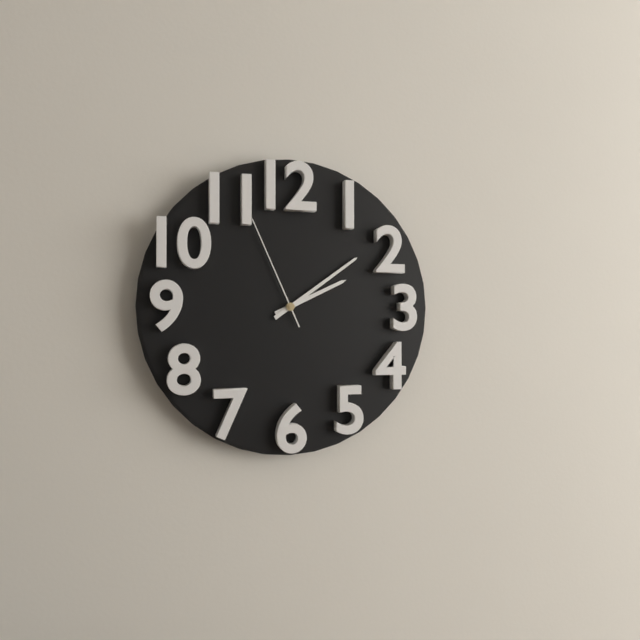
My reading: 2:09:56
